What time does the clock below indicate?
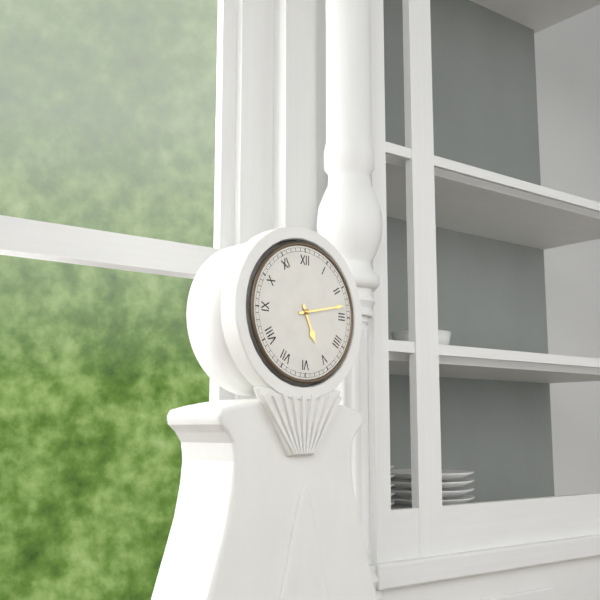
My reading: 5:13
